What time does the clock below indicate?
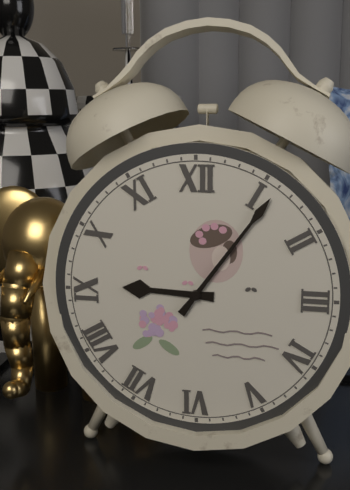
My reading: 9:06
